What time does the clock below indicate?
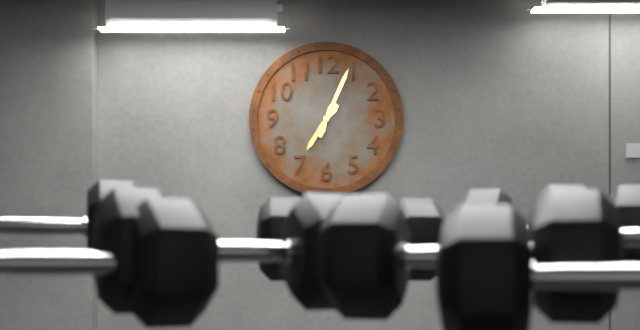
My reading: 7:04
